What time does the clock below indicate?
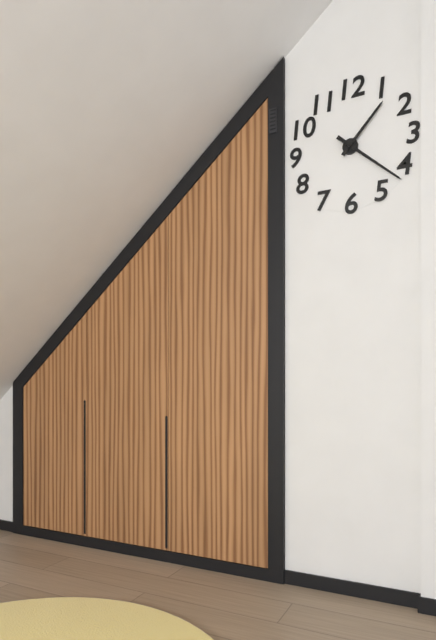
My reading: 1:22
